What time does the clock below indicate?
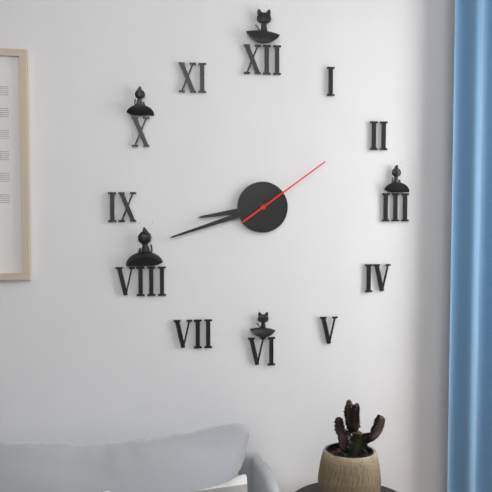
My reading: 8:42:09
